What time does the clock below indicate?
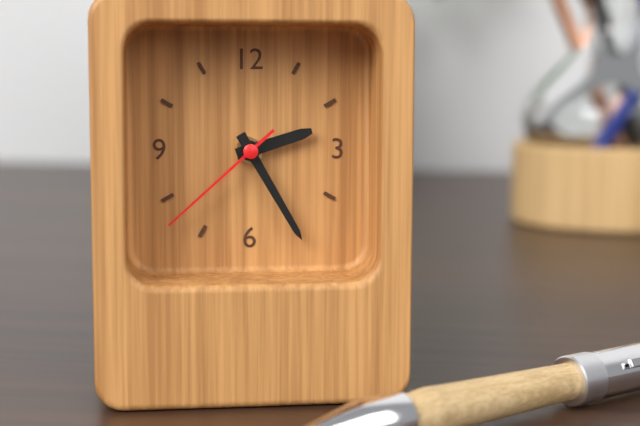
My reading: 2:25:38
